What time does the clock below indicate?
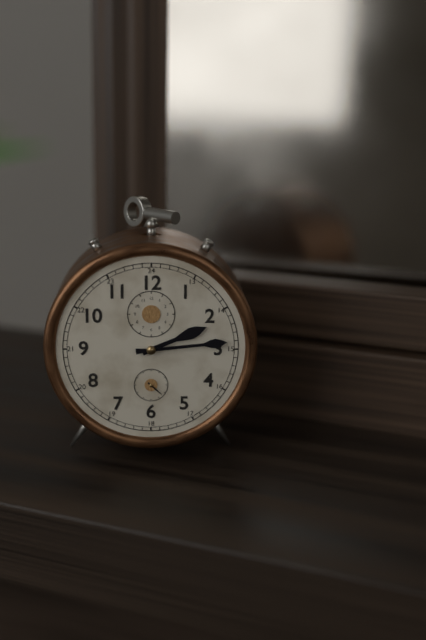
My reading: 2:14
